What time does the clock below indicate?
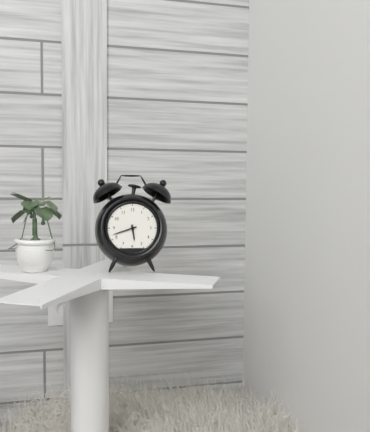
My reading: 5:42
